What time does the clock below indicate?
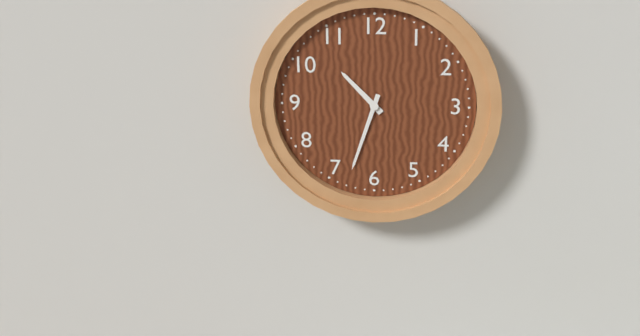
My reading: 10:33
